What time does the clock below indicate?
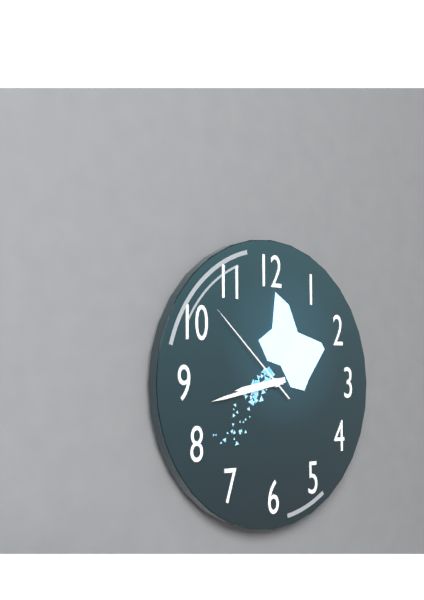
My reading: 8:43:52
